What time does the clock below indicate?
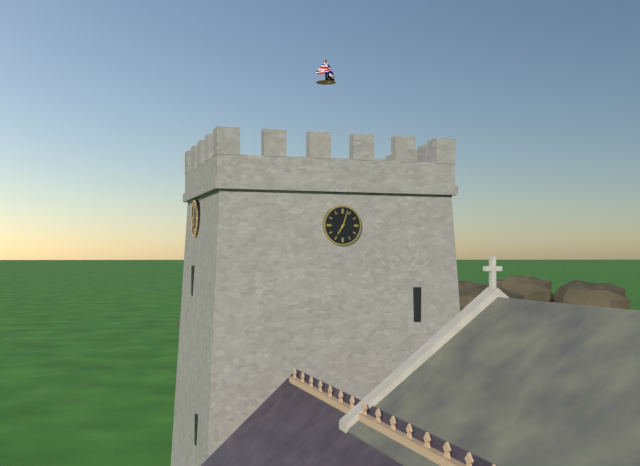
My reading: 7:03
